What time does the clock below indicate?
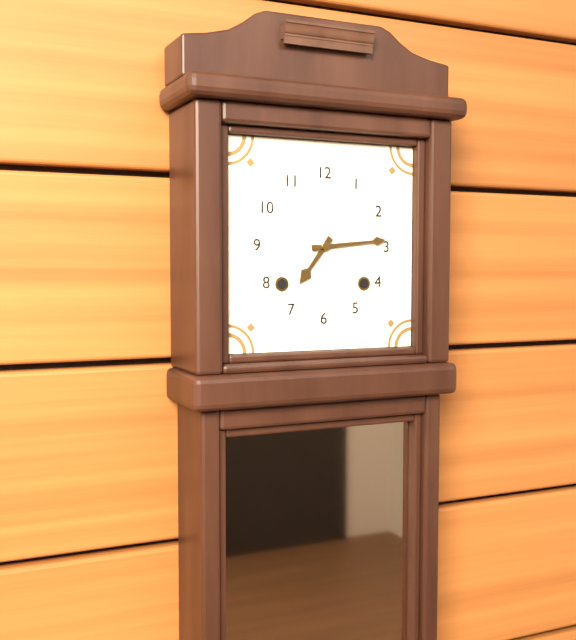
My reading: 7:14
